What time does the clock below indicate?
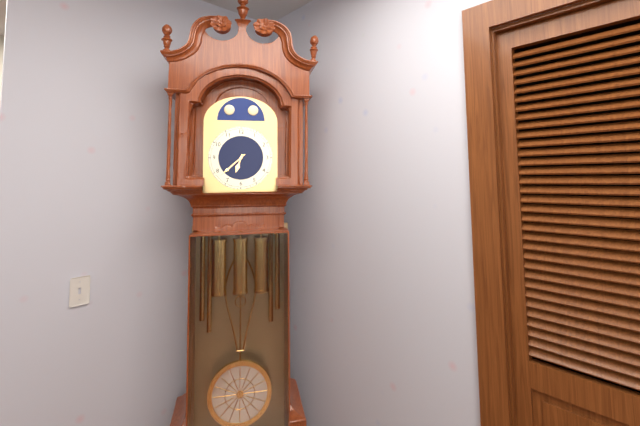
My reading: 6:38
